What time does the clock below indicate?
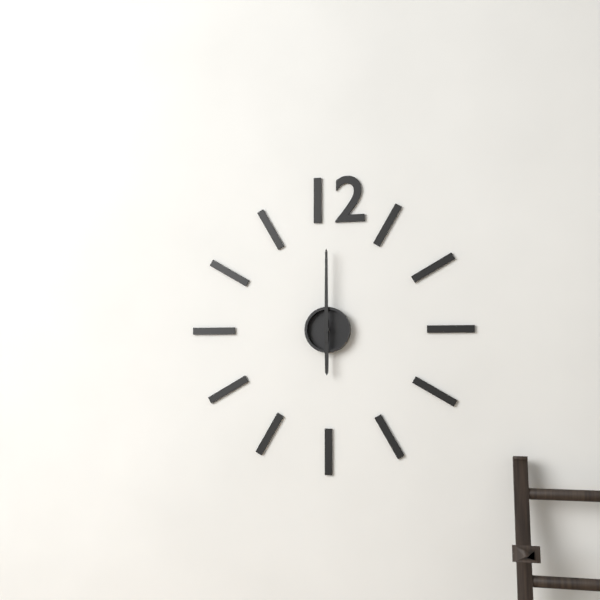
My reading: 6:00
